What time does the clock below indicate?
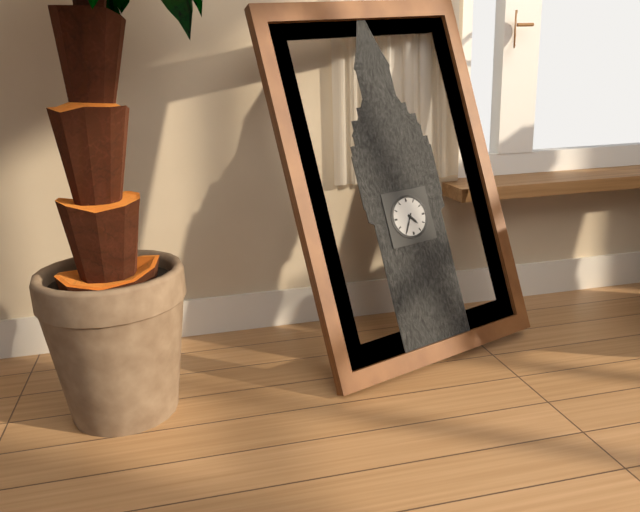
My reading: 4:35
